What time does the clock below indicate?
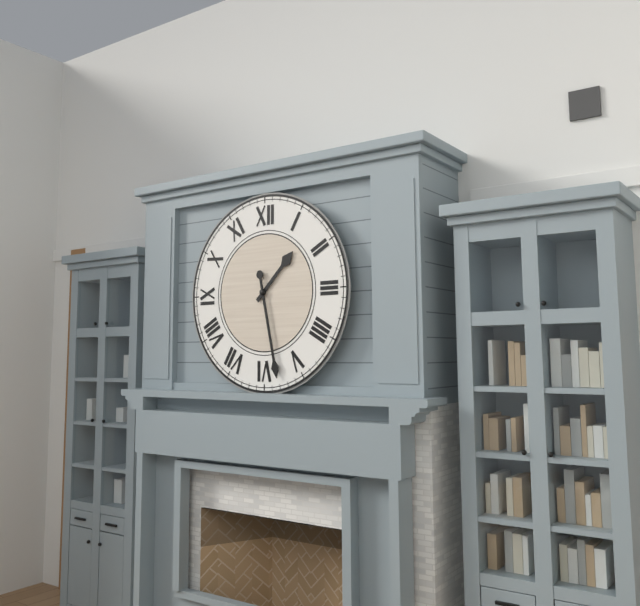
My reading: 1:28
